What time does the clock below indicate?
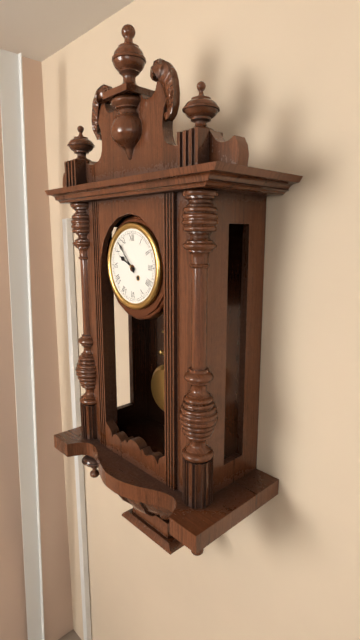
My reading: 9:53
